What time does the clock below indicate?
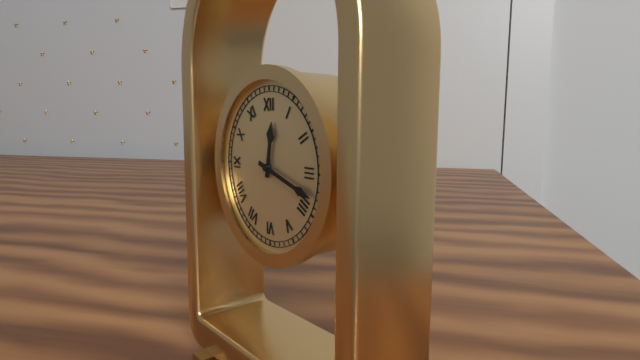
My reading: 12:18
